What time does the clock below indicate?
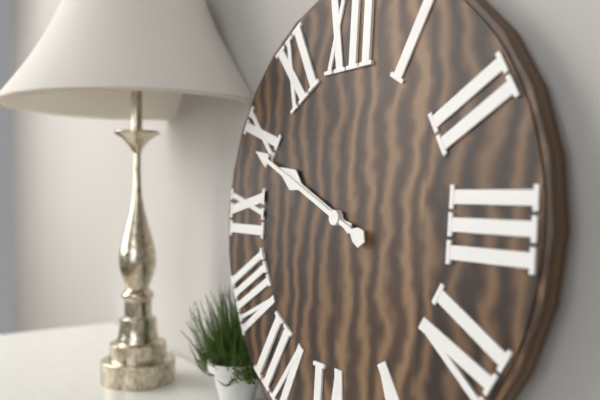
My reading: 9:49
